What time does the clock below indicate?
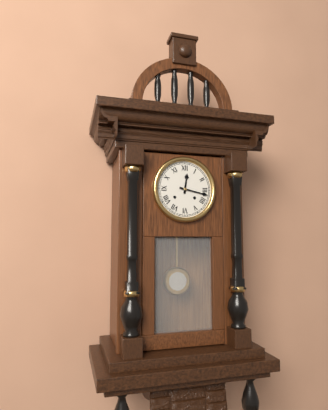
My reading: 12:17
